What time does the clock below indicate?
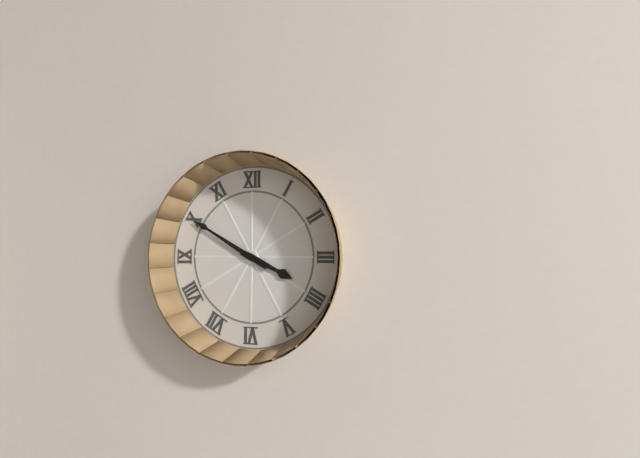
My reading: 3:50
